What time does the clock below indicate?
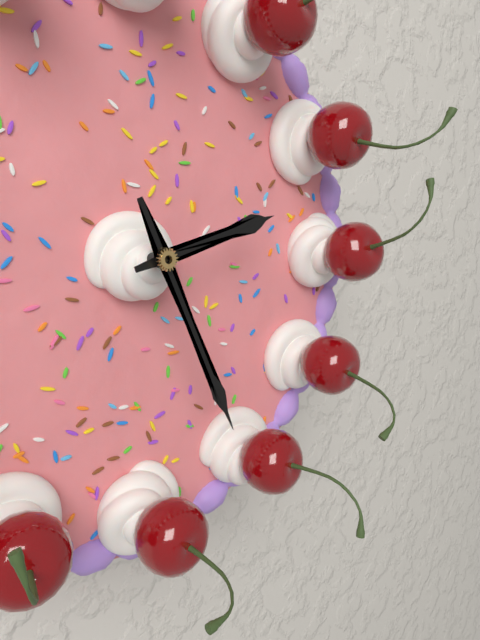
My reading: 2:26
